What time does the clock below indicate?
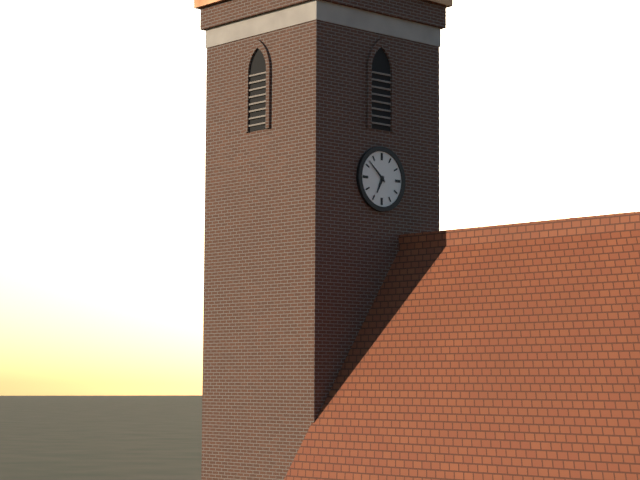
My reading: 6:52
